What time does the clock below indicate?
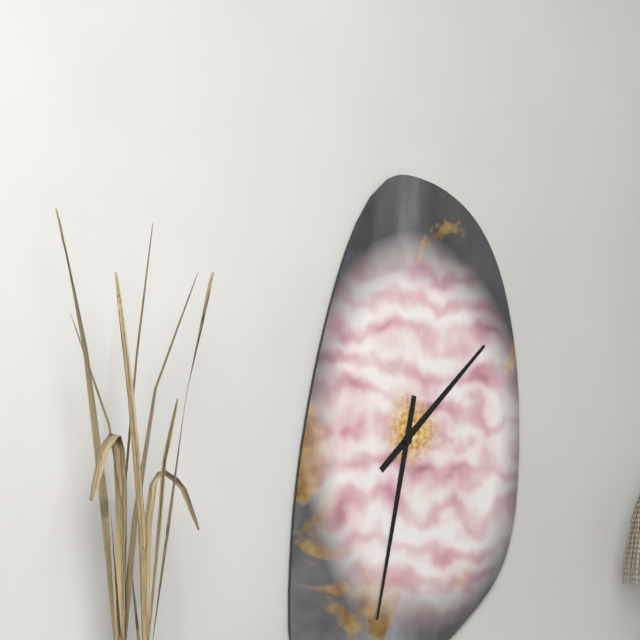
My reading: 1:32
